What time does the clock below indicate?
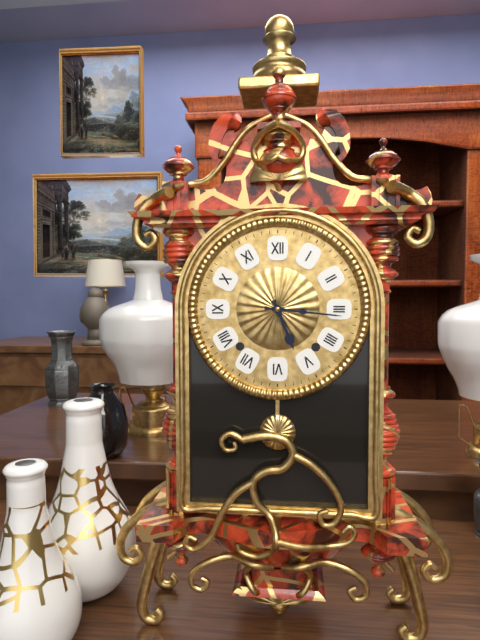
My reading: 5:16
